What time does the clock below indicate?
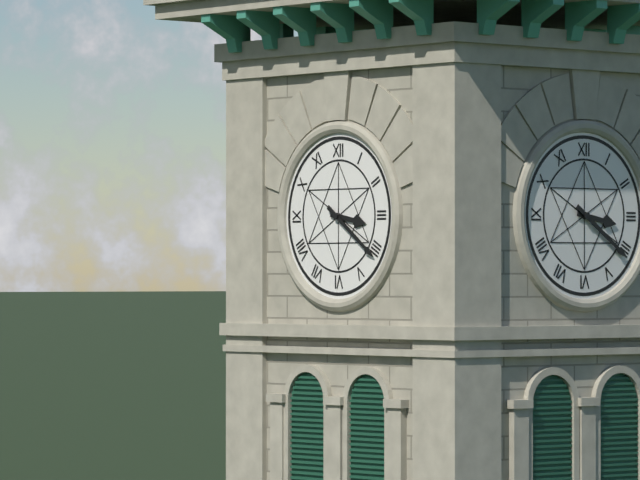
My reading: 3:21
